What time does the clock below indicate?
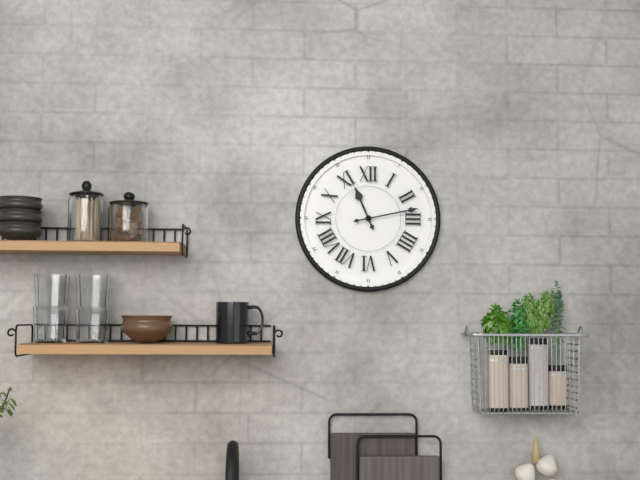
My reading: 11:13
